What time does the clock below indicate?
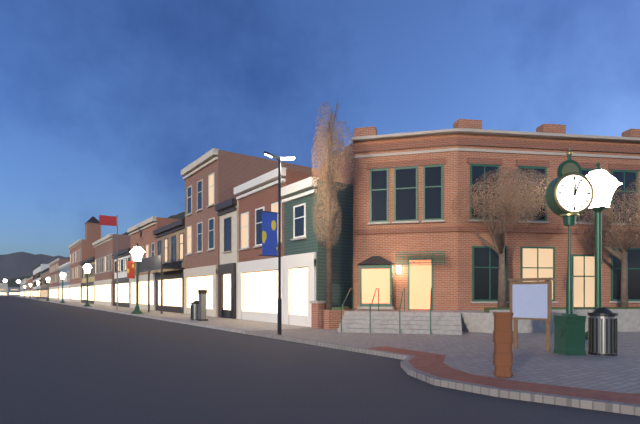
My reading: 12:04
